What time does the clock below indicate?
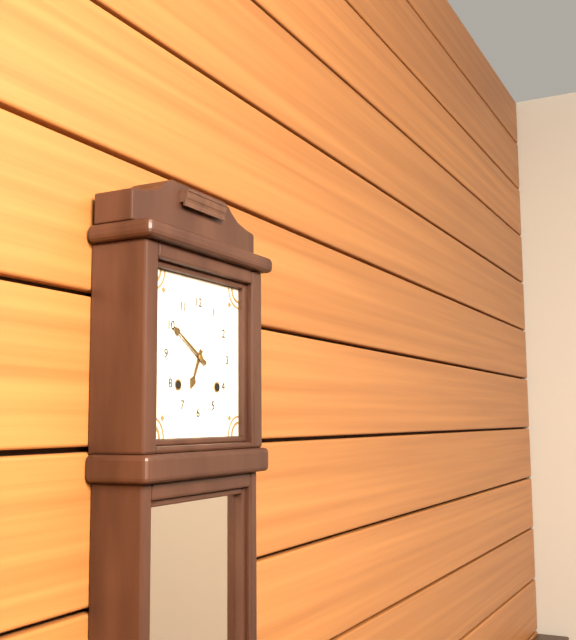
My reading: 6:50
